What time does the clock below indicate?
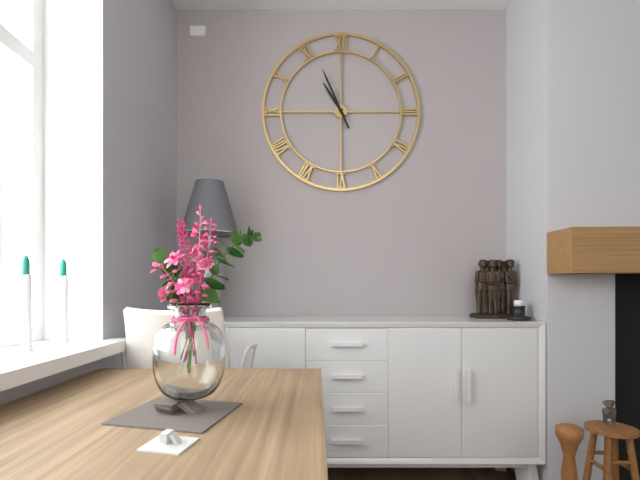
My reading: 10:56
